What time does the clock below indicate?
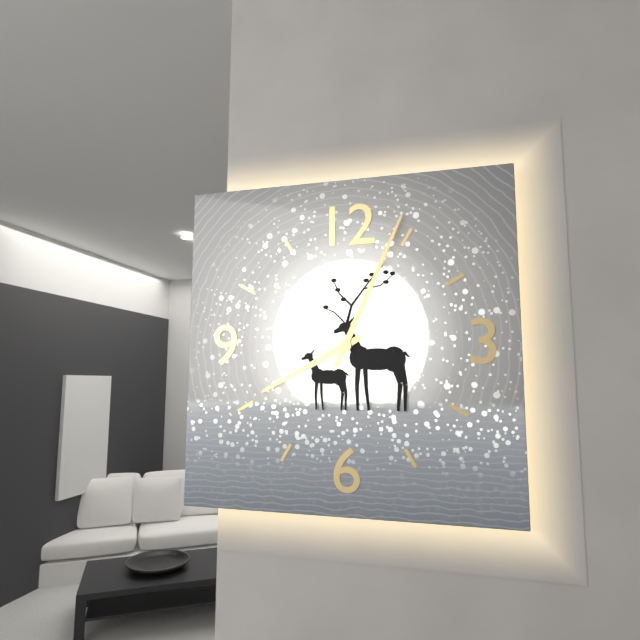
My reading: 8:04
